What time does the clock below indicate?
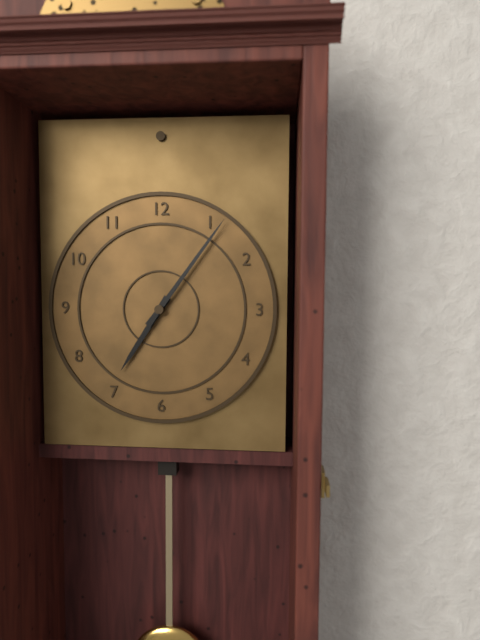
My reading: 7:06
